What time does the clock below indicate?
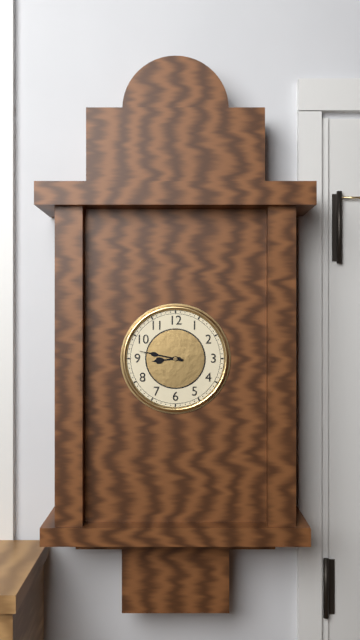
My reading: 8:47
